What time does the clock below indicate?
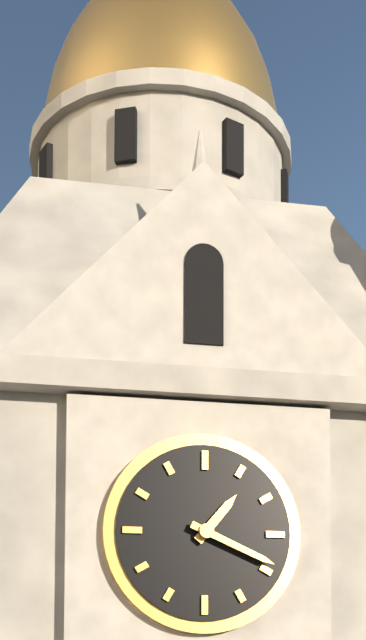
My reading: 1:19
